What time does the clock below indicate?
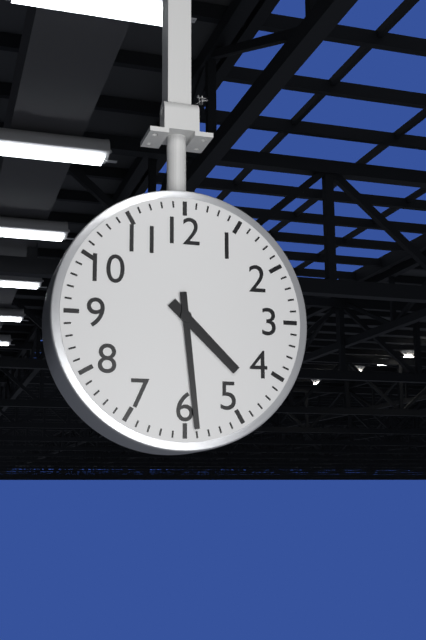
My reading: 4:29
